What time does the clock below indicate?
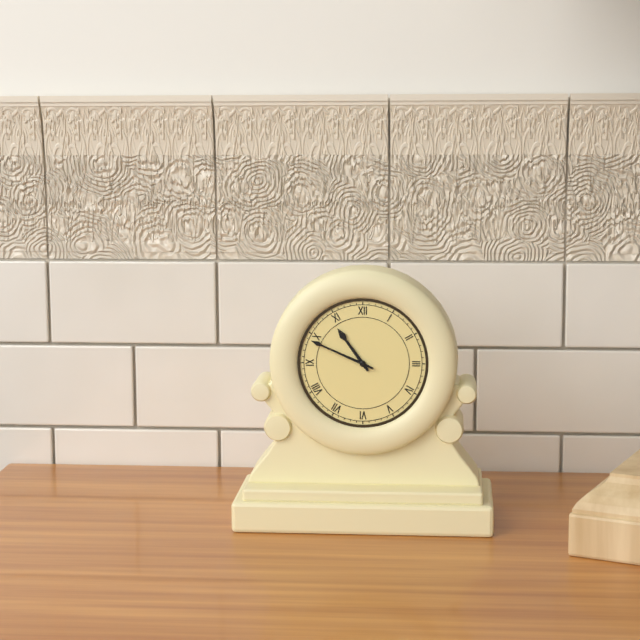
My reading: 10:49
